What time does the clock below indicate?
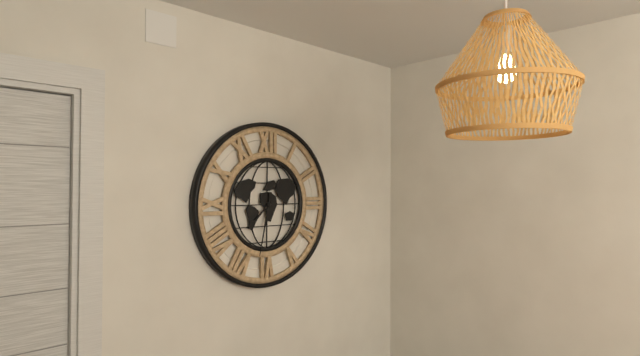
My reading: 7:32
